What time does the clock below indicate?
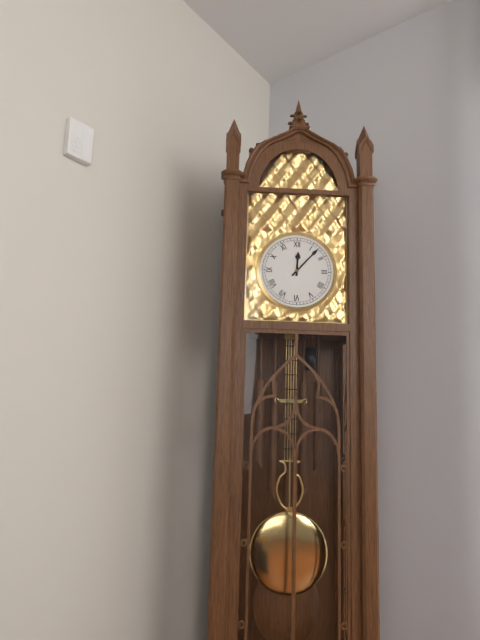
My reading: 12:07
